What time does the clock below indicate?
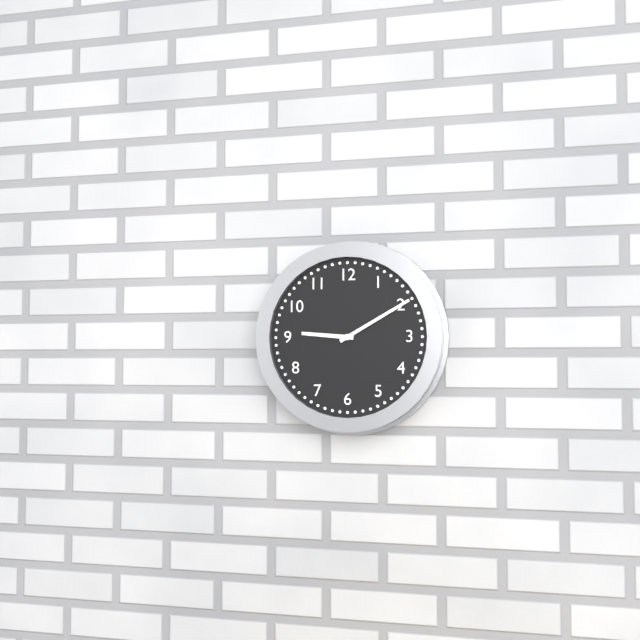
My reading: 9:10
